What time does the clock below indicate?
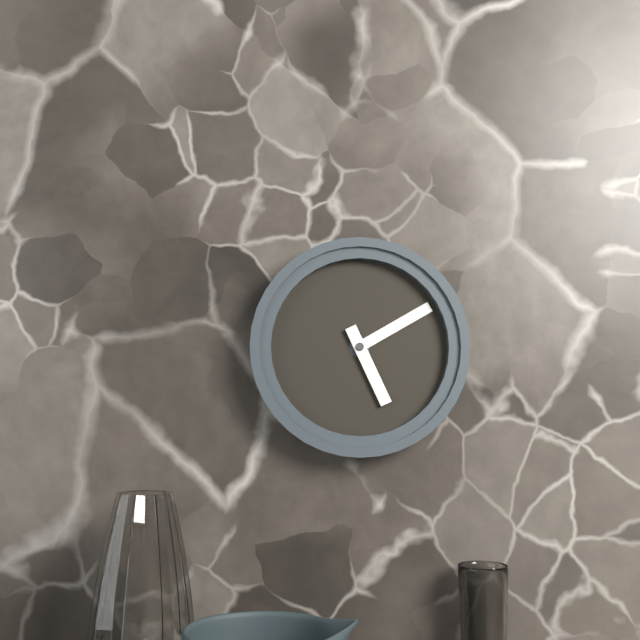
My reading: 5:10
